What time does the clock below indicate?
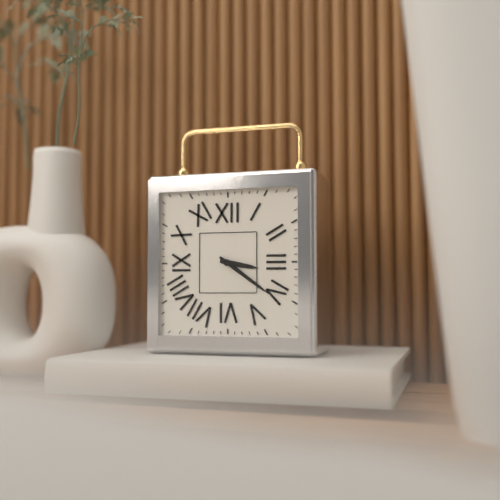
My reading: 3:21
